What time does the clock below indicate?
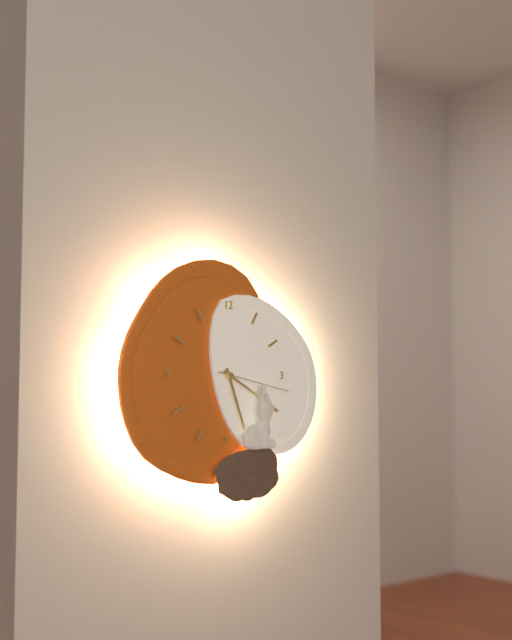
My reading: 5:20:17
